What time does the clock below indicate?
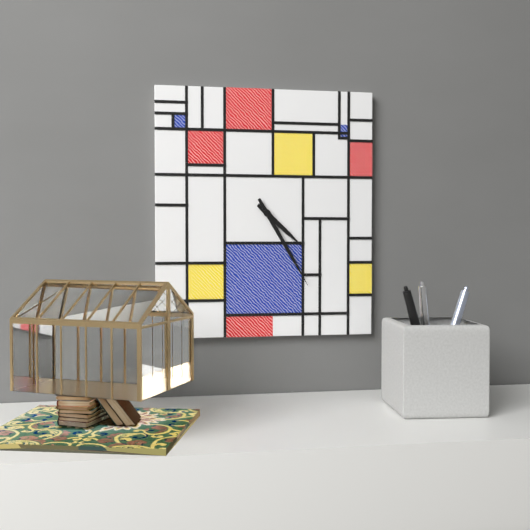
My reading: 4:25
